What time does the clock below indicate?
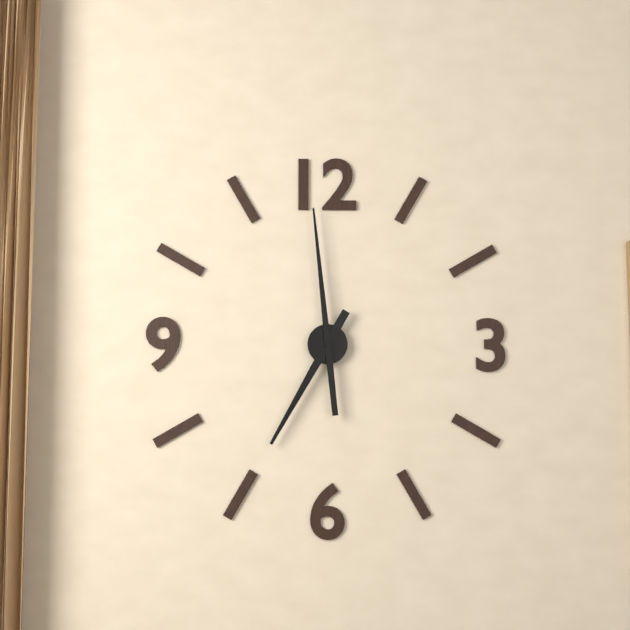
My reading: 6:59
